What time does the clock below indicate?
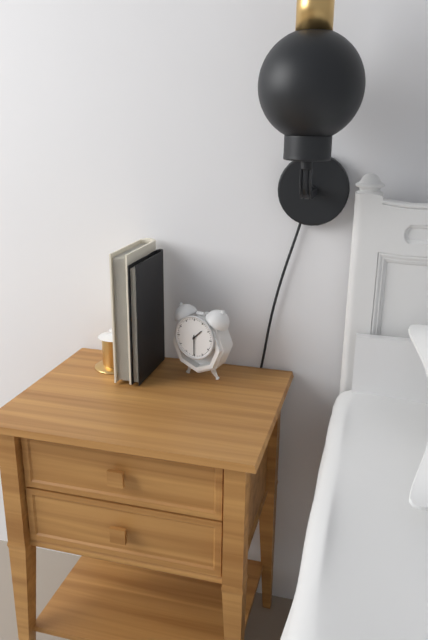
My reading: 1:30
